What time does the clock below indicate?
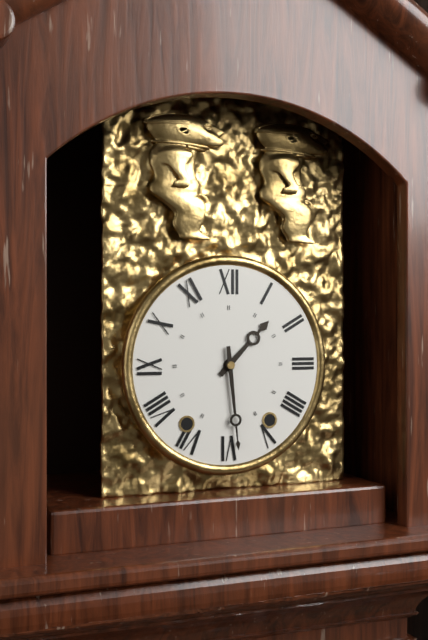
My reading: 1:29
